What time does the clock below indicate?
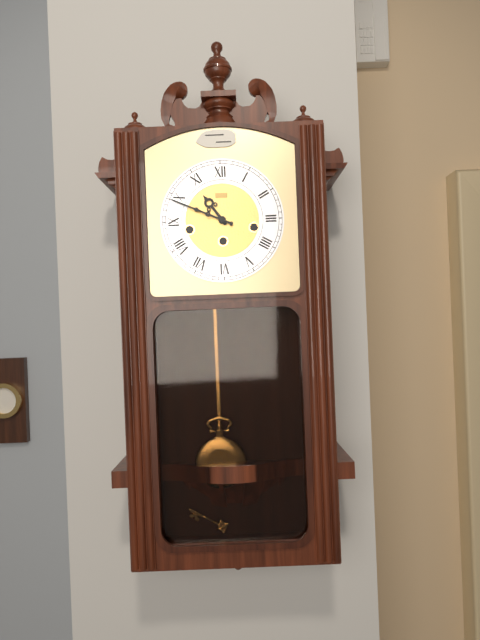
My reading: 10:49
